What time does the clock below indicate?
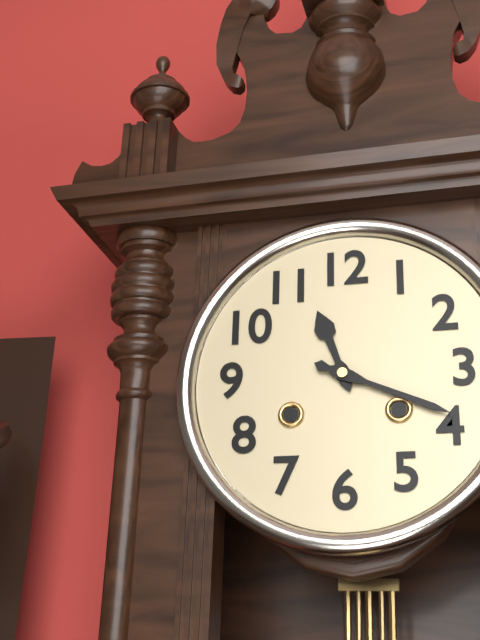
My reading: 11:19
